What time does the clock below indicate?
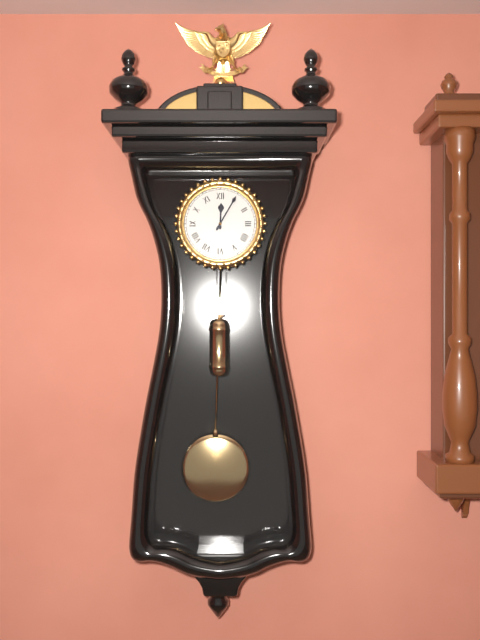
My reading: 12:05
